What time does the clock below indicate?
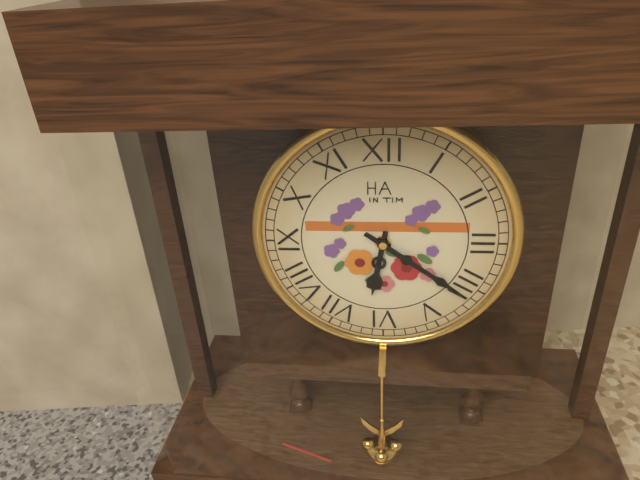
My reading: 6:21
